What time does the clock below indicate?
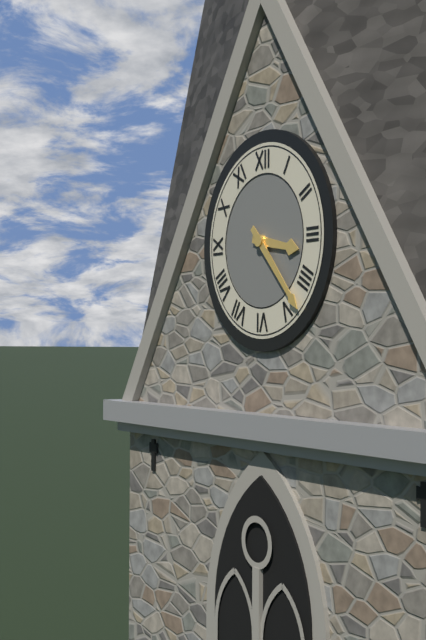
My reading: 3:23
